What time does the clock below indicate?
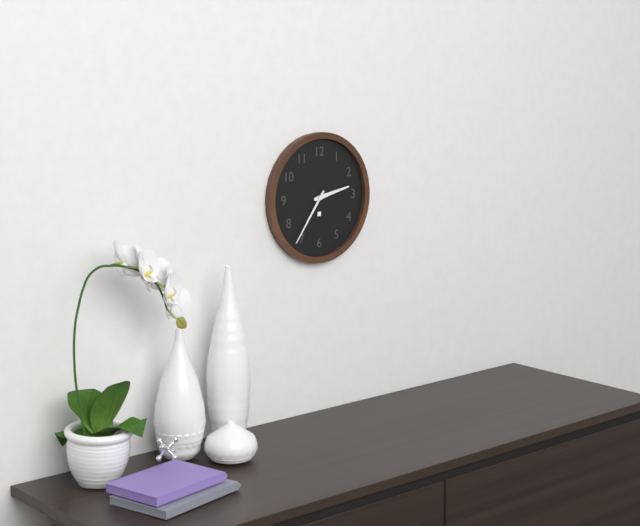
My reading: 2:36
